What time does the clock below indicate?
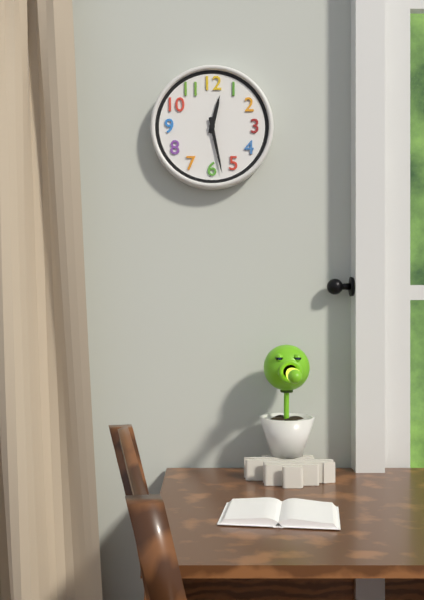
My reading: 12:28
